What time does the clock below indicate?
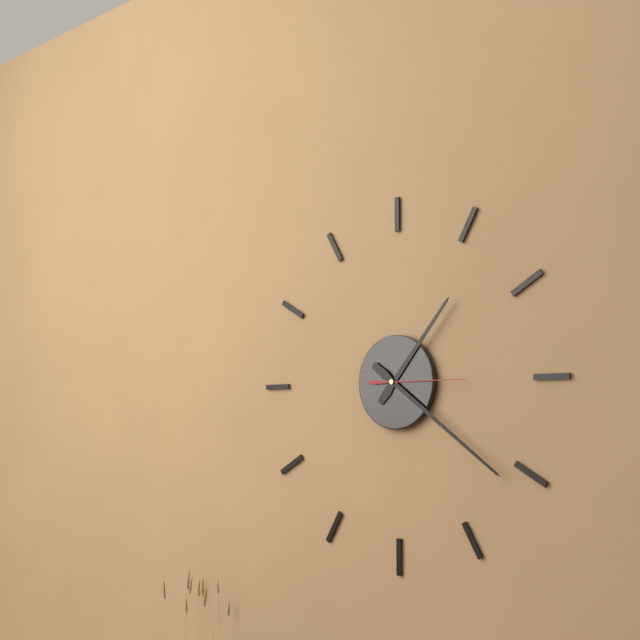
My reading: 1:21:15
